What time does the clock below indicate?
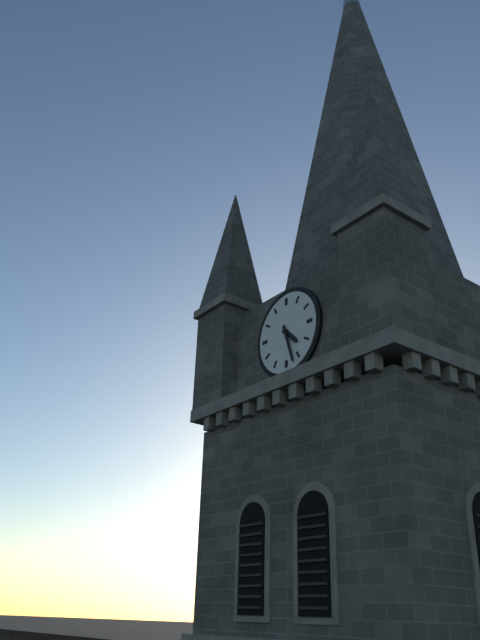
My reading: 4:27
